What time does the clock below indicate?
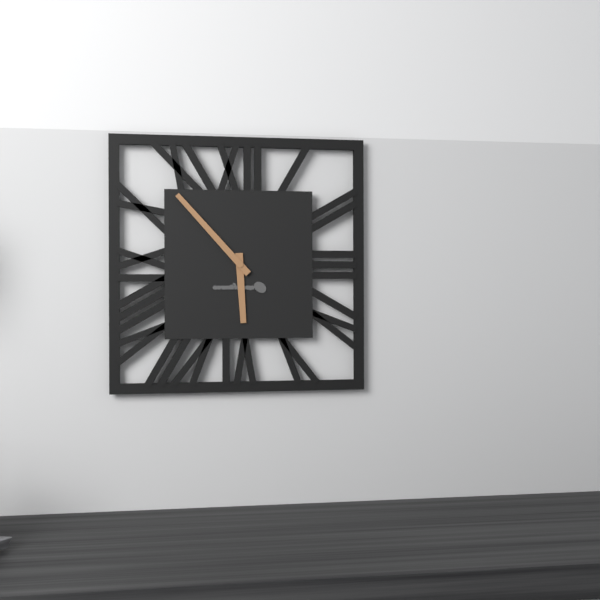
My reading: 5:53
